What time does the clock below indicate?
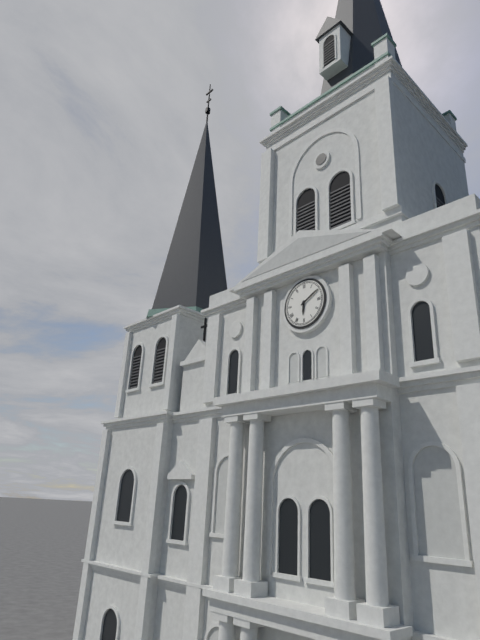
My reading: 6:10
